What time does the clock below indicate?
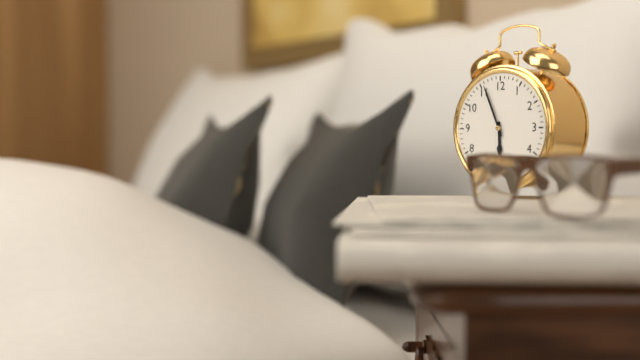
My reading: 5:56
